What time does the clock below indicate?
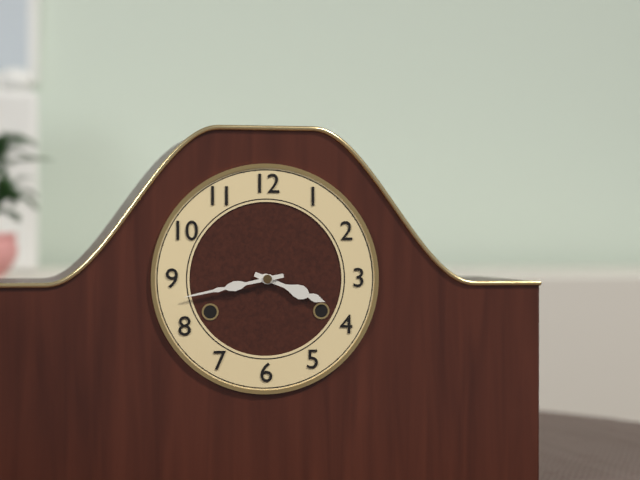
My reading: 3:43
